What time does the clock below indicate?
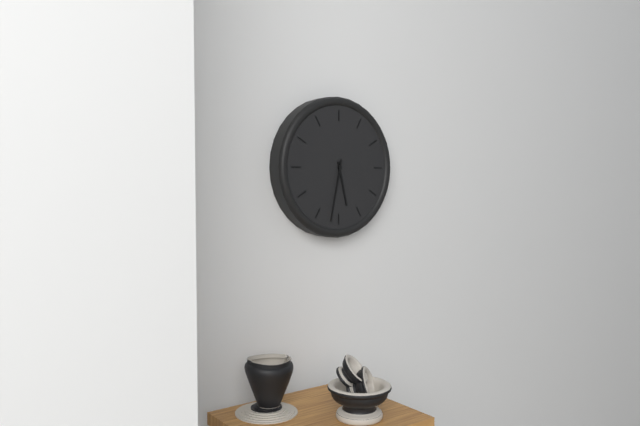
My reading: 5:32
